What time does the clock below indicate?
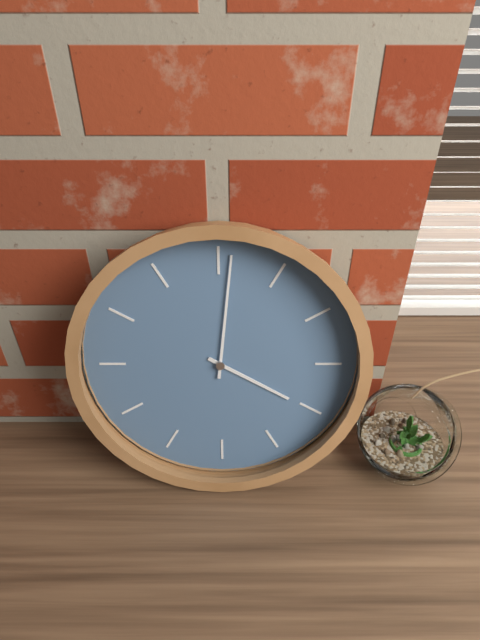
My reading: 4:01
